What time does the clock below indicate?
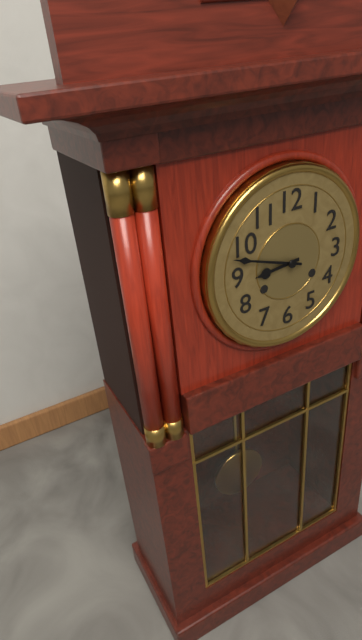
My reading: 8:48
